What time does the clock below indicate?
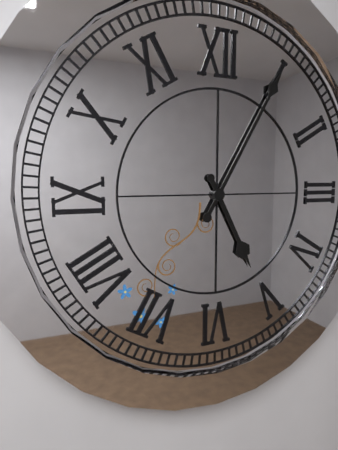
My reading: 5:05
